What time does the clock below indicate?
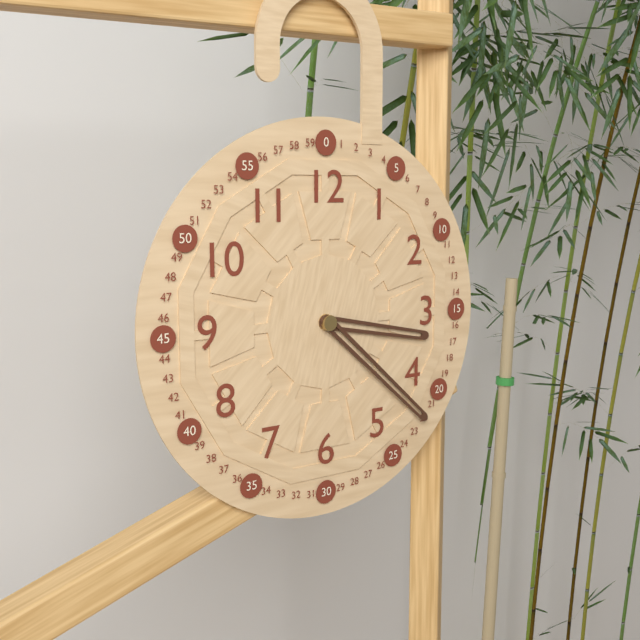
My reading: 3:22
